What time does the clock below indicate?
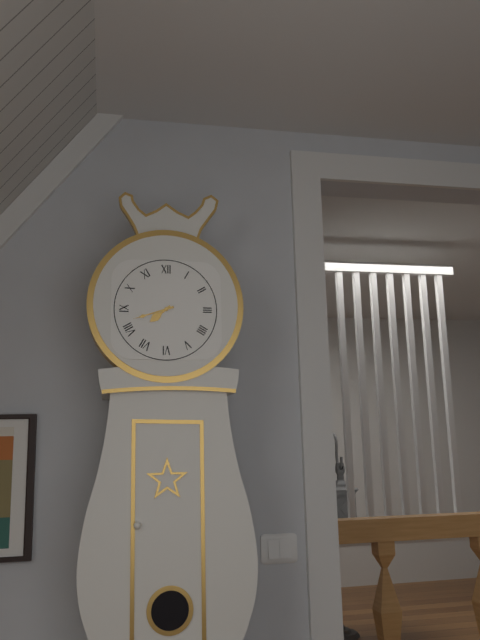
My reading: 7:42
